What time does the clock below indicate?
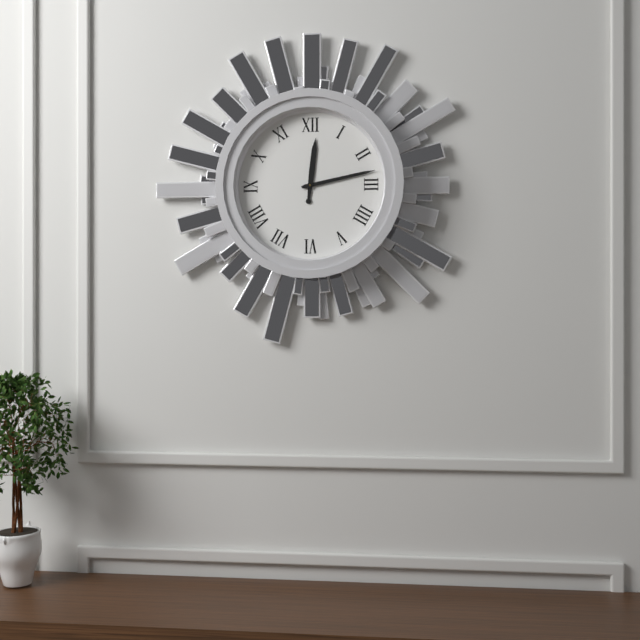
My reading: 12:13
